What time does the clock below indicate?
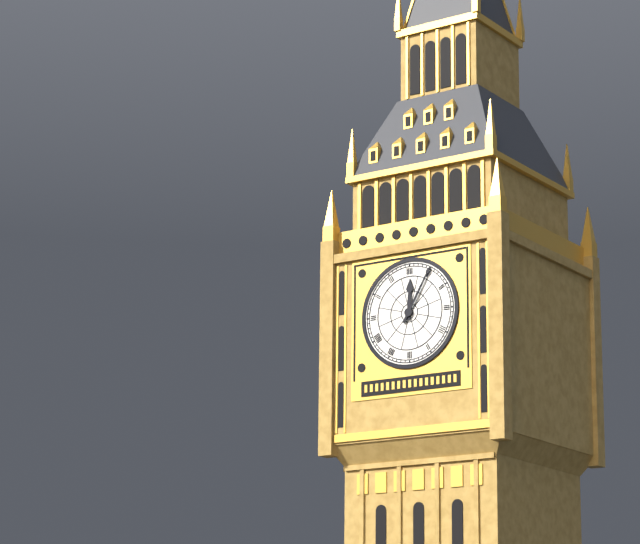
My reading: 12:05
